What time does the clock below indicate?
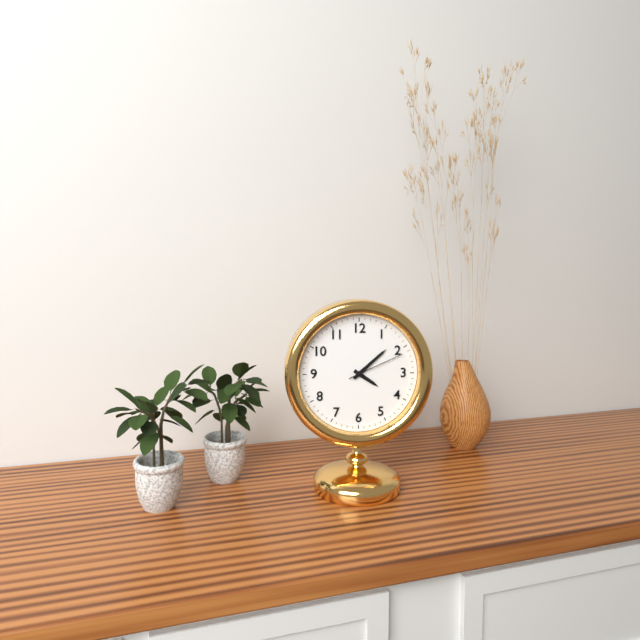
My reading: 4:08:11
